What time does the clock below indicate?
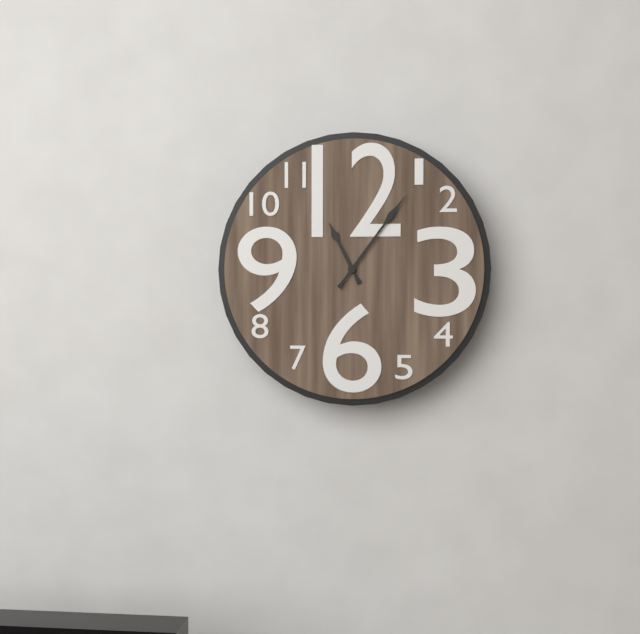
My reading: 11:06
